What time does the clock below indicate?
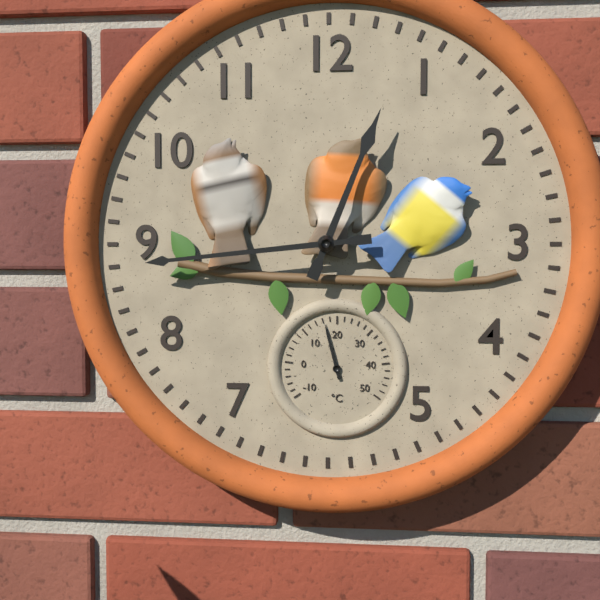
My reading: 12:44
